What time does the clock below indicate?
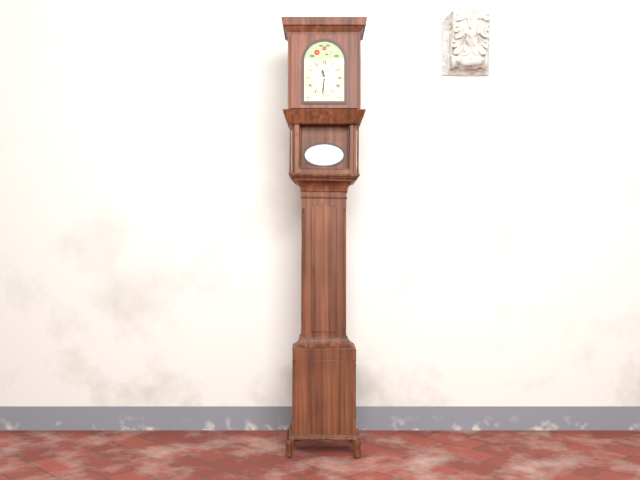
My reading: 11:31
